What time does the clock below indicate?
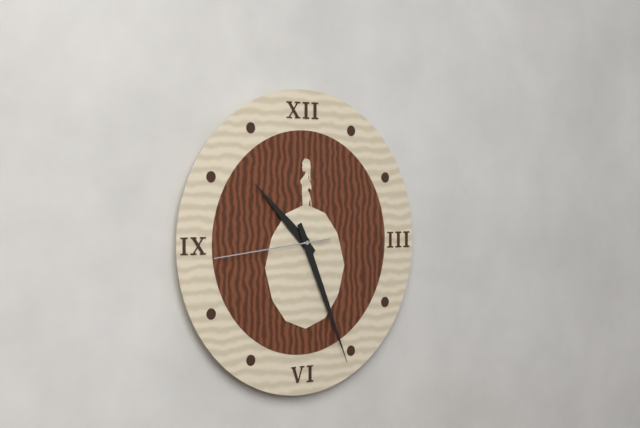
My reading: 10:26:44
